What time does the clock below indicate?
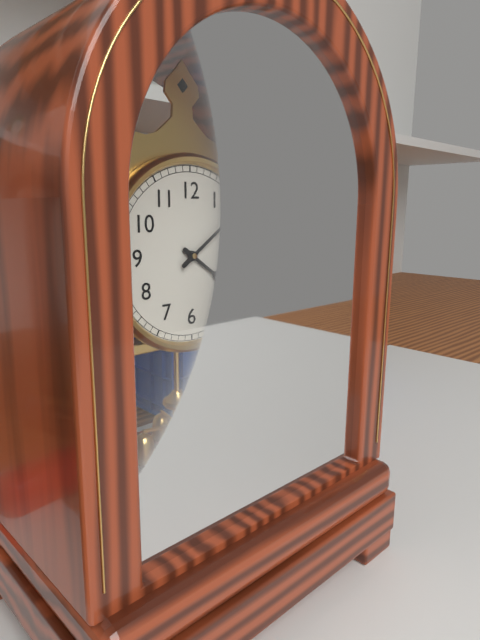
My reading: 4:09
